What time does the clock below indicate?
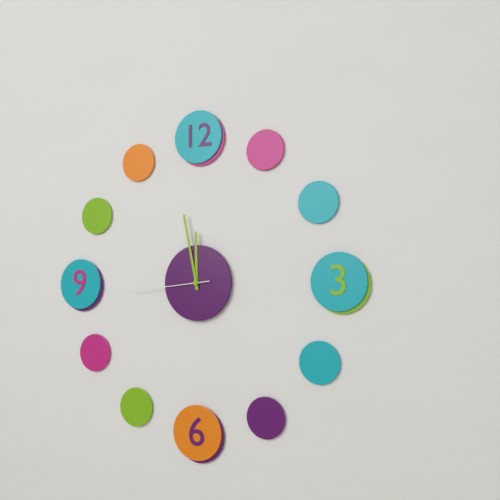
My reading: 11:58:44
